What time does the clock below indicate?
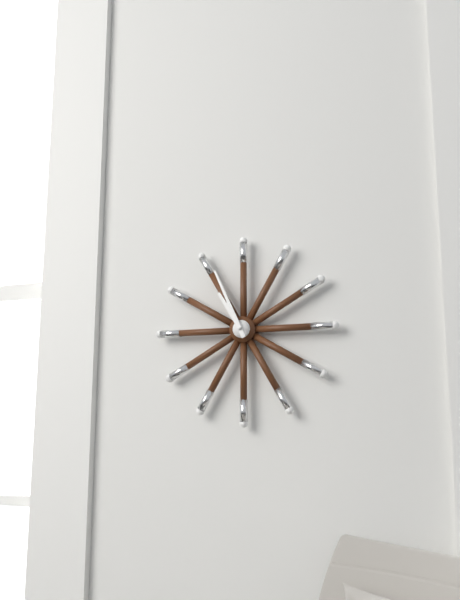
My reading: 10:56
